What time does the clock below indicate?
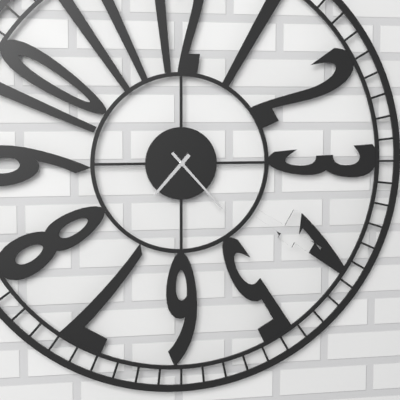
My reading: 7:23
